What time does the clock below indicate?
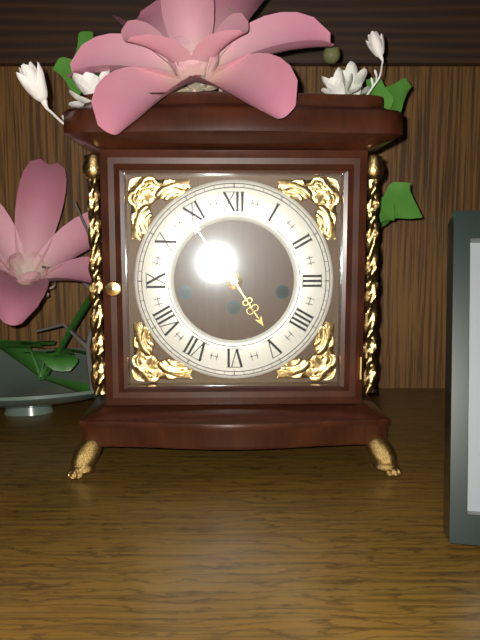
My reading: 4:54
